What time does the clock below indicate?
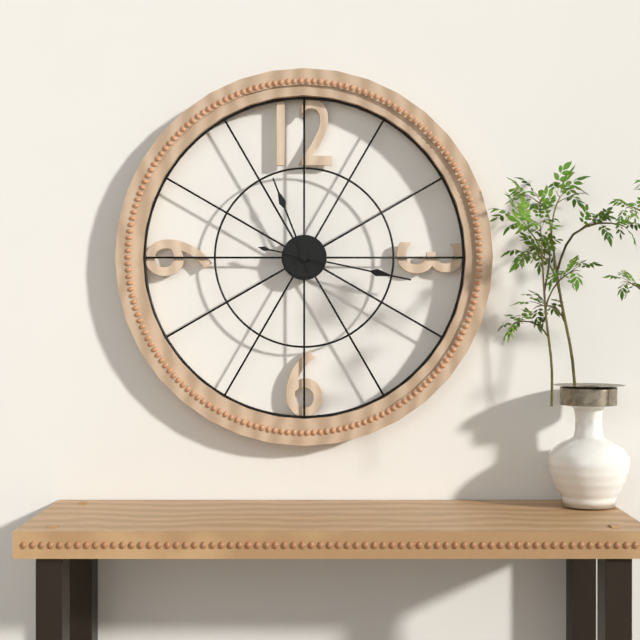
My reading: 11:17
